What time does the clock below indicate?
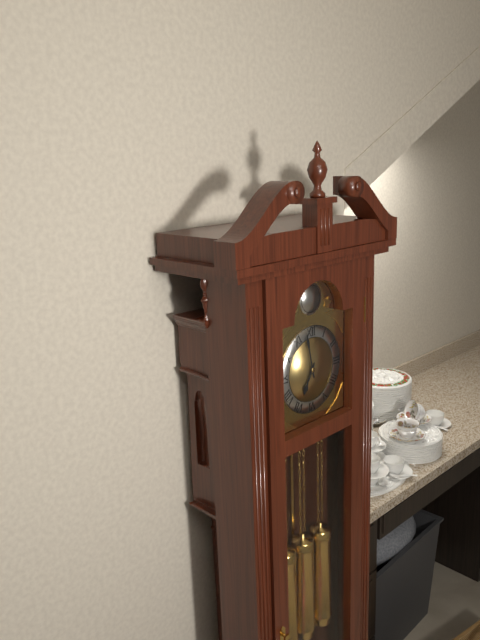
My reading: 6:58
